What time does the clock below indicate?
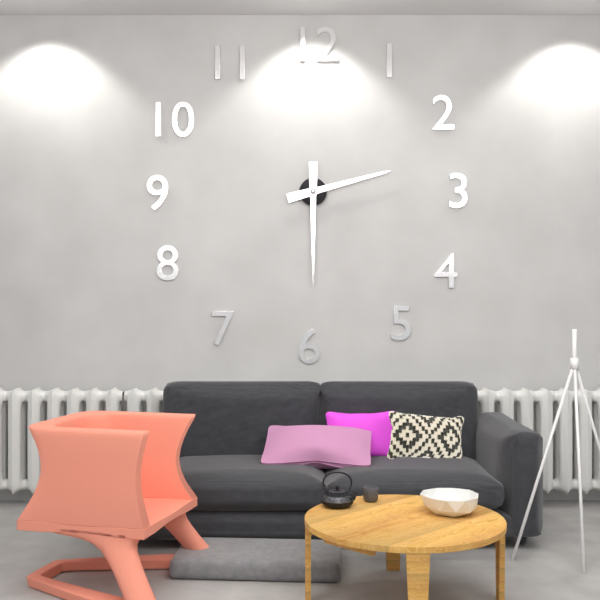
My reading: 2:30
